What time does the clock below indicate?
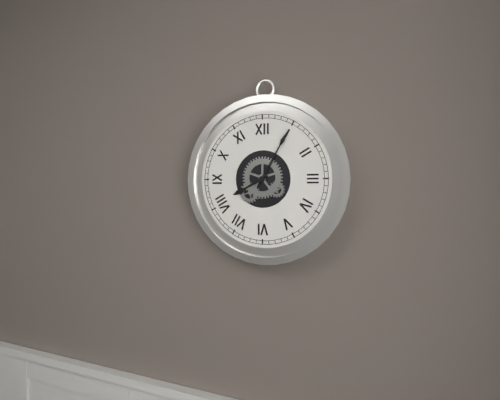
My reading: 8:05
